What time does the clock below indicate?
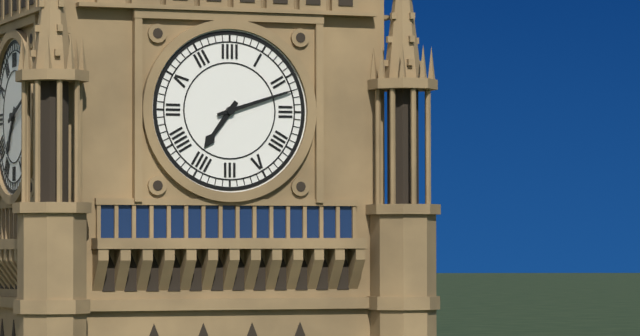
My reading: 7:12
